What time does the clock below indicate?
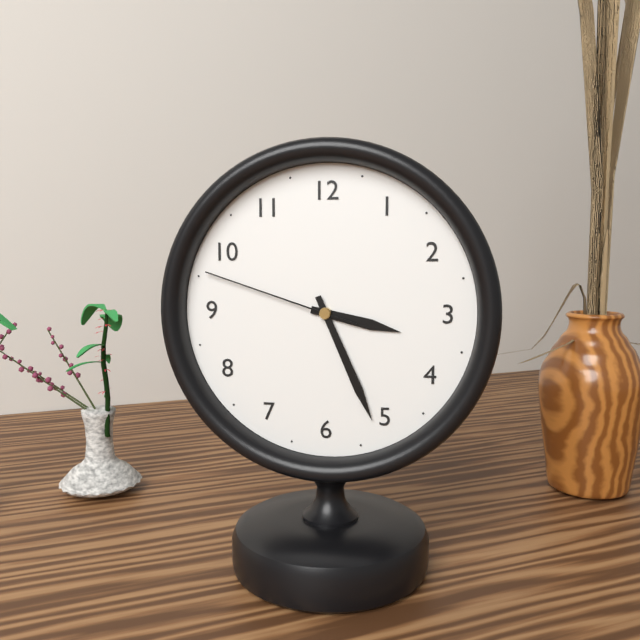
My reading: 3:26:48
